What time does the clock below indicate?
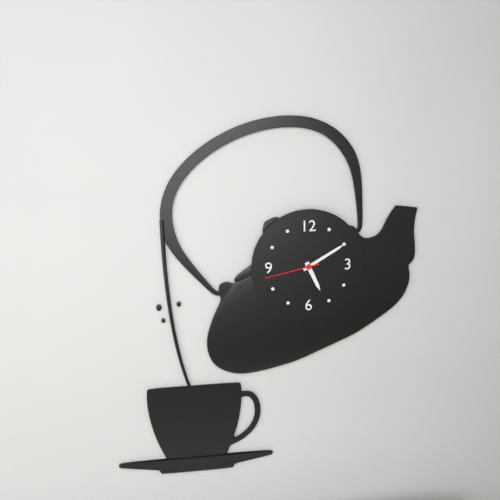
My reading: 5:10:43
